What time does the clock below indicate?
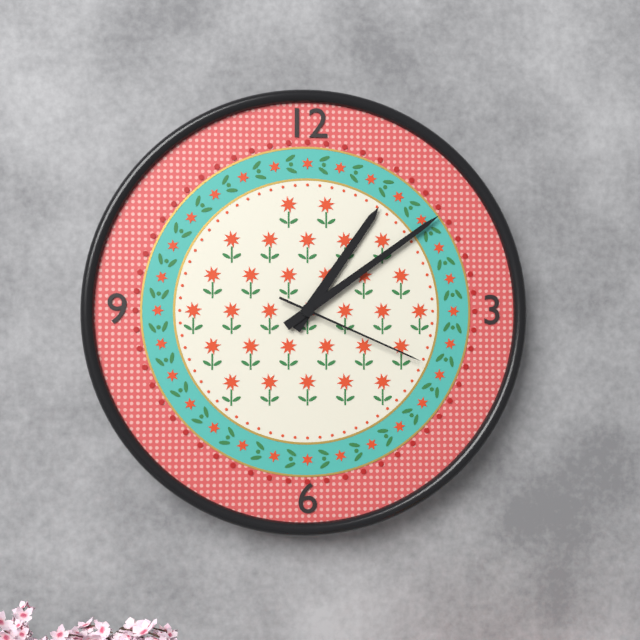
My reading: 1:09:19
